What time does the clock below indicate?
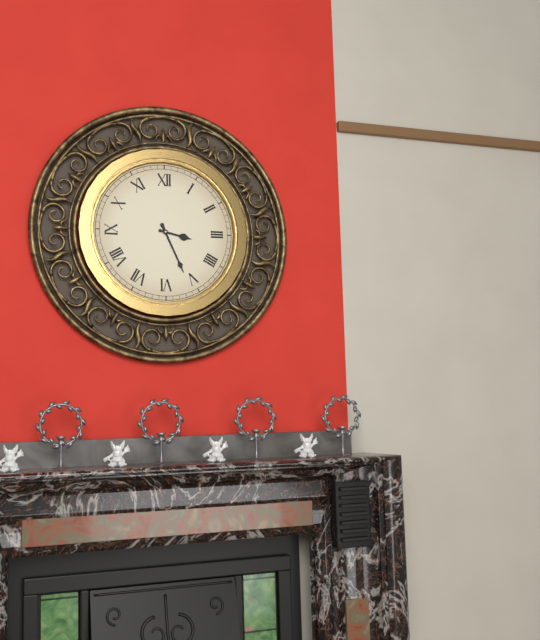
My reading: 3:26
